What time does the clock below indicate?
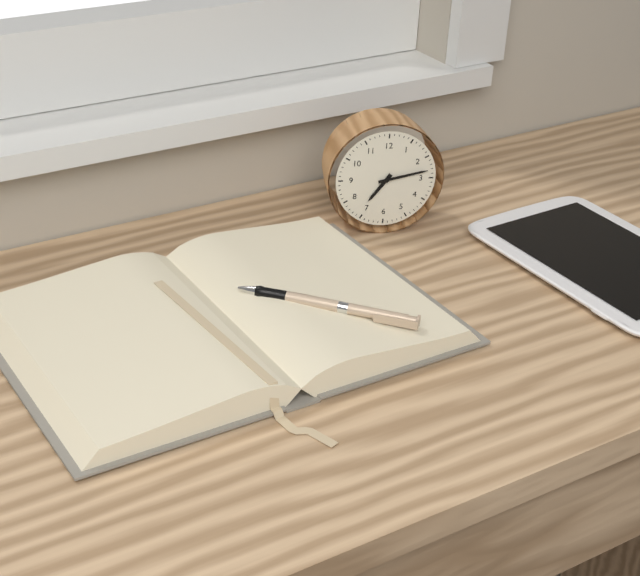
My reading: 7:13
